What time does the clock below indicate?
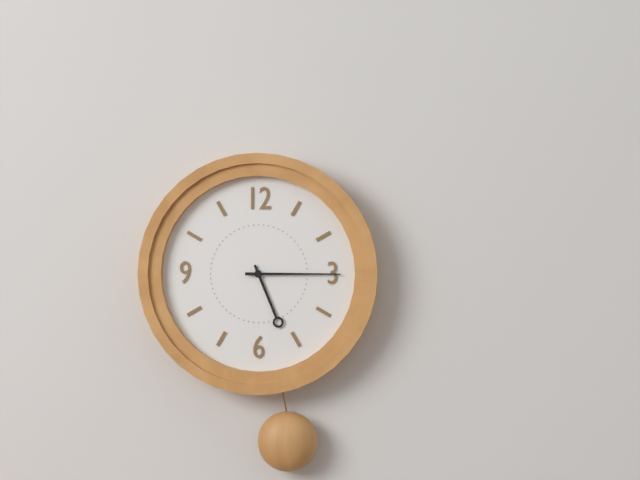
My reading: 5:15
